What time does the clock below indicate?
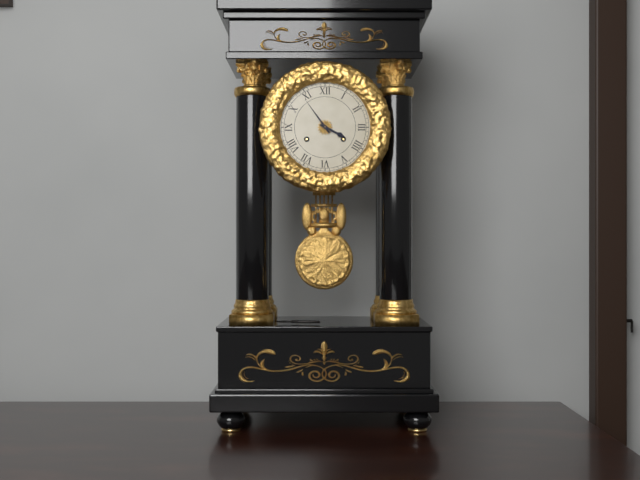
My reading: 3:54
